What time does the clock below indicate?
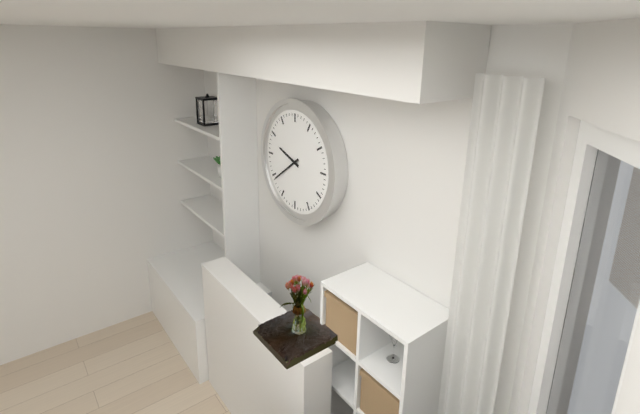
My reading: 9:39
